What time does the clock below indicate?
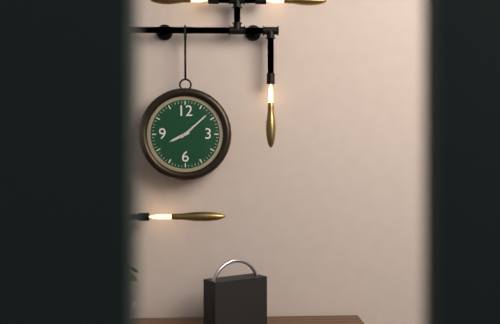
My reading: 8:08
